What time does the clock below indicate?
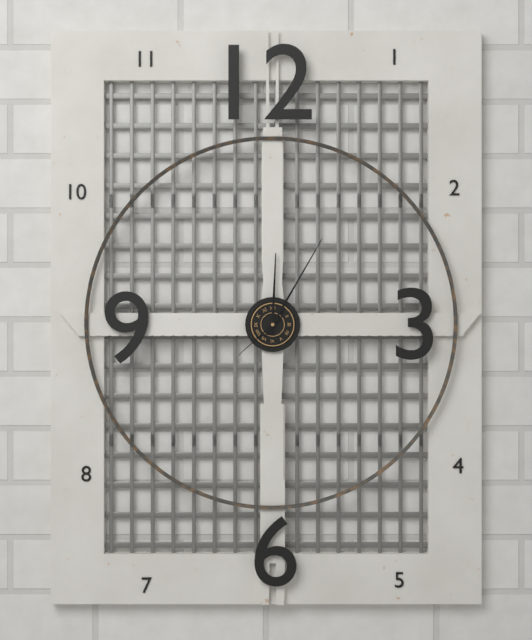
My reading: 12:05:38
